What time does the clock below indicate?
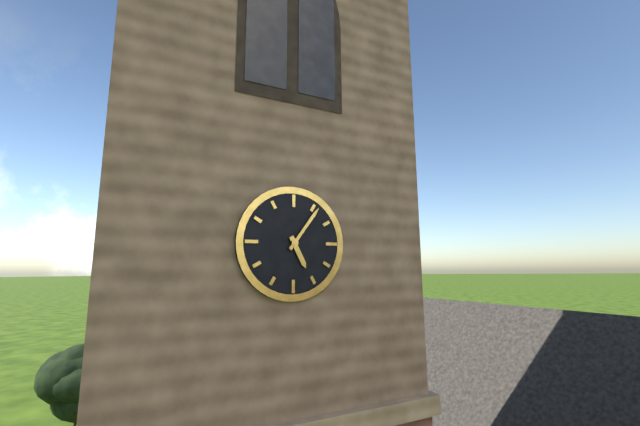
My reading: 5:06
